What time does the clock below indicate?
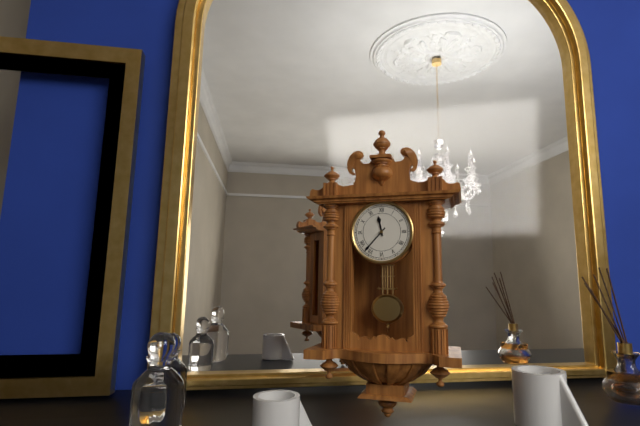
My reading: 11:37
